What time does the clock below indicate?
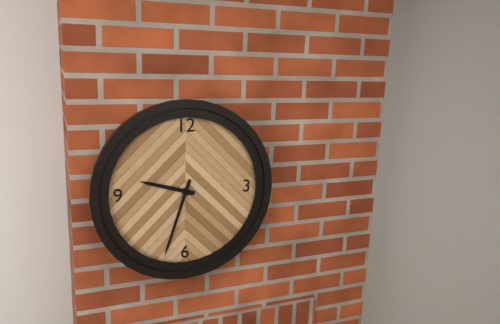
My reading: 9:33
